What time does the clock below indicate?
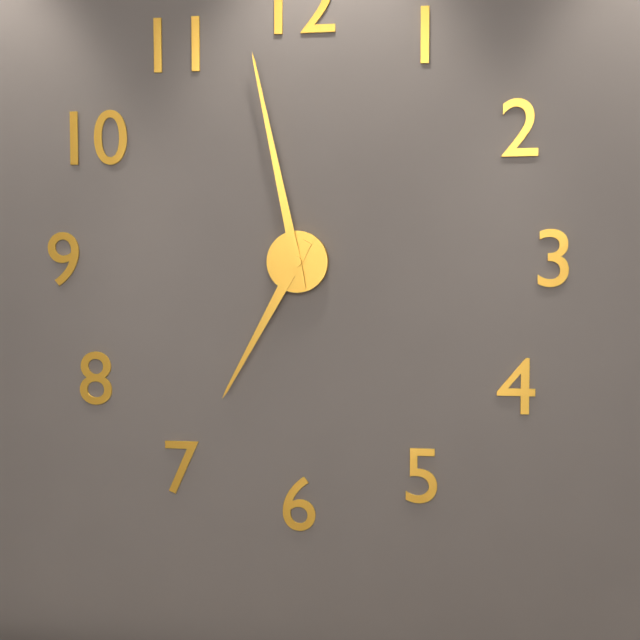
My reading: 6:58
